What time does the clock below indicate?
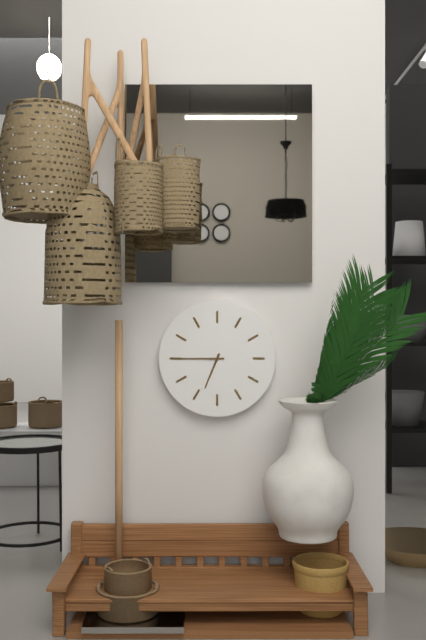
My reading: 6:45
